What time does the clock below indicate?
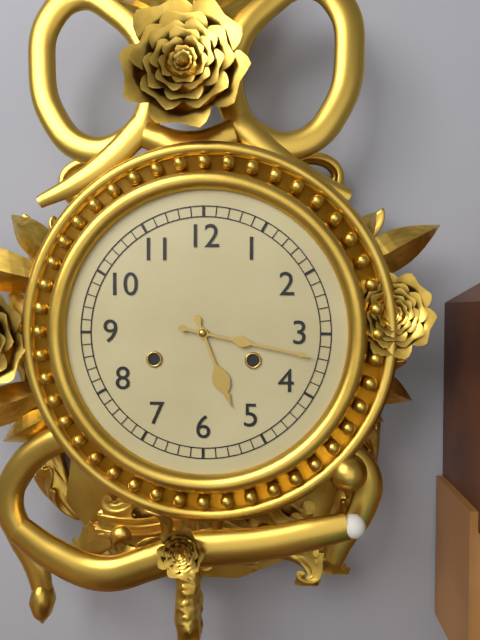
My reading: 5:17
